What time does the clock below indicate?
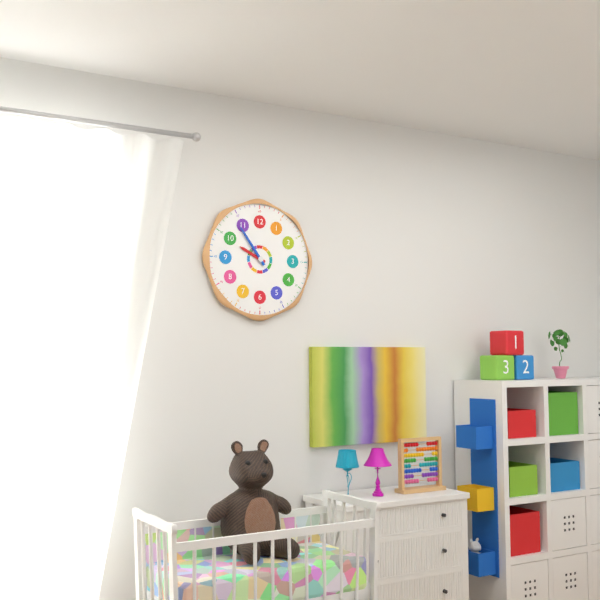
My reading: 9:54
